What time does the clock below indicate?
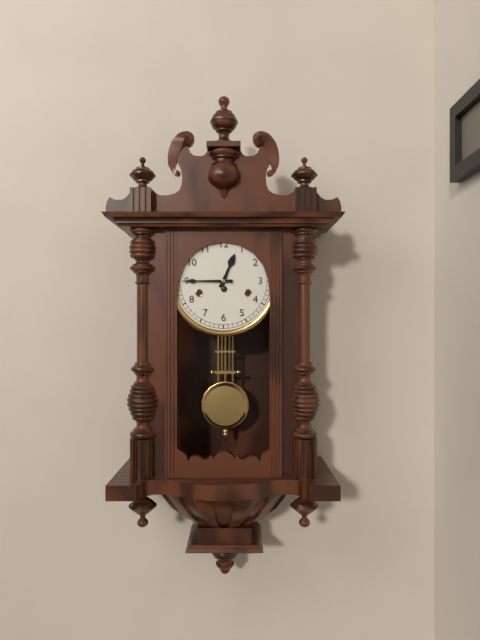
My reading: 12:45
